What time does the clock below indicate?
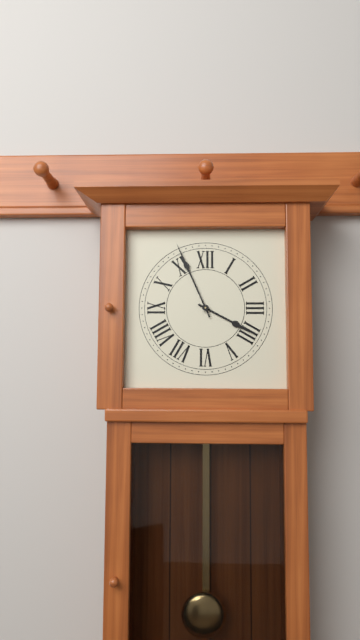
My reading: 3:56
